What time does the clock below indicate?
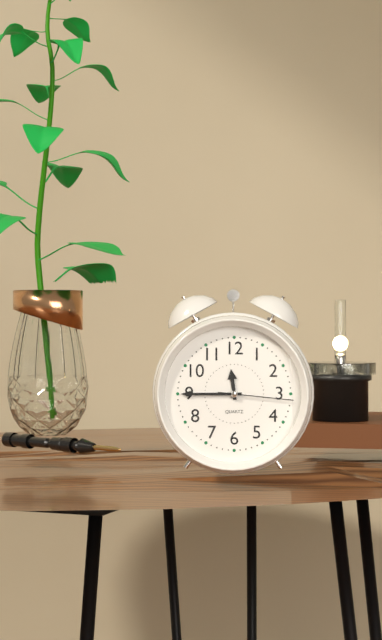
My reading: 11:45:16
